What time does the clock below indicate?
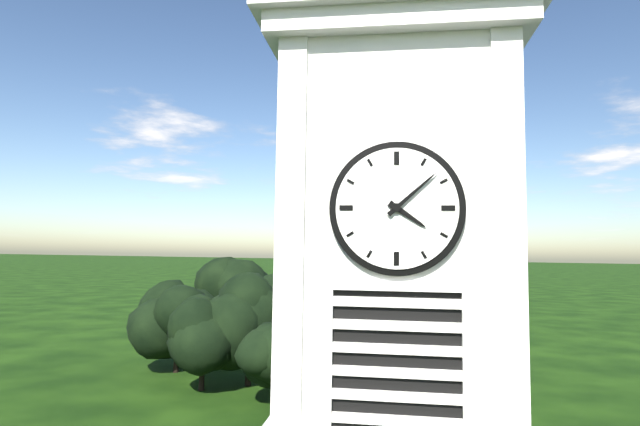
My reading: 4:08
